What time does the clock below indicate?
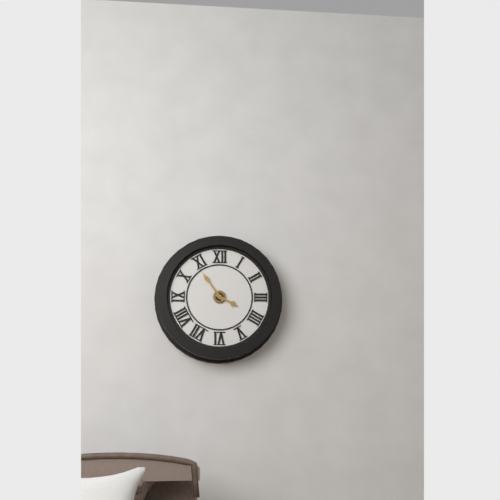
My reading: 3:54
